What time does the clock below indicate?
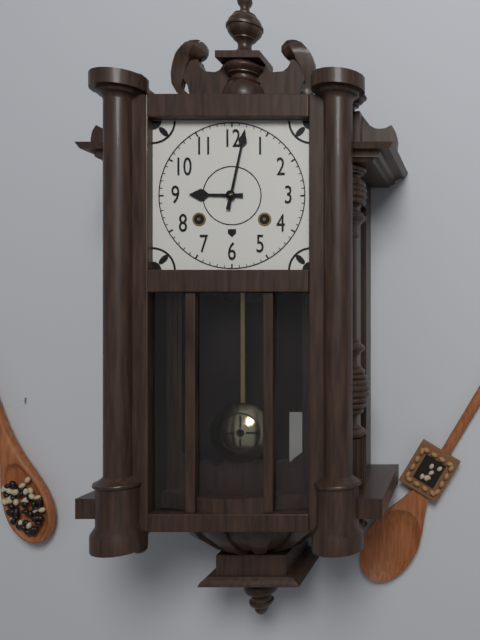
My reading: 9:02
